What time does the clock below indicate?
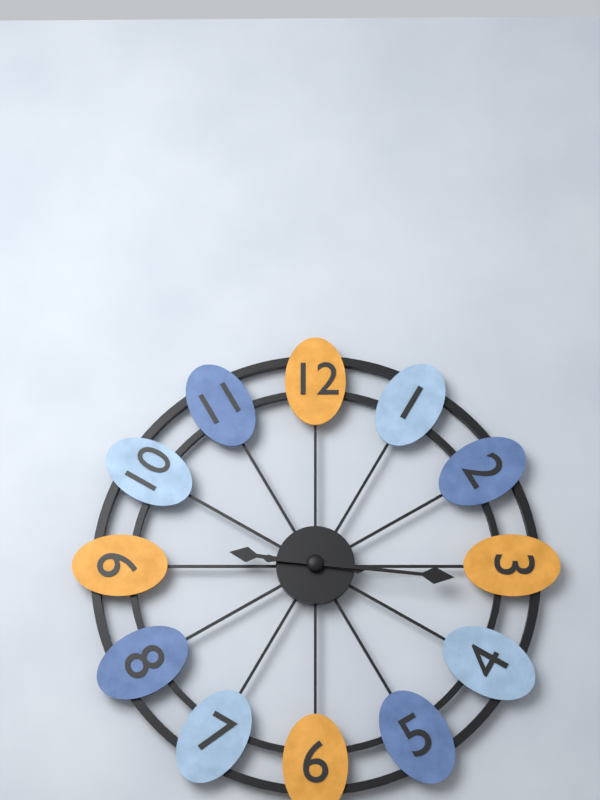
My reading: 9:16
